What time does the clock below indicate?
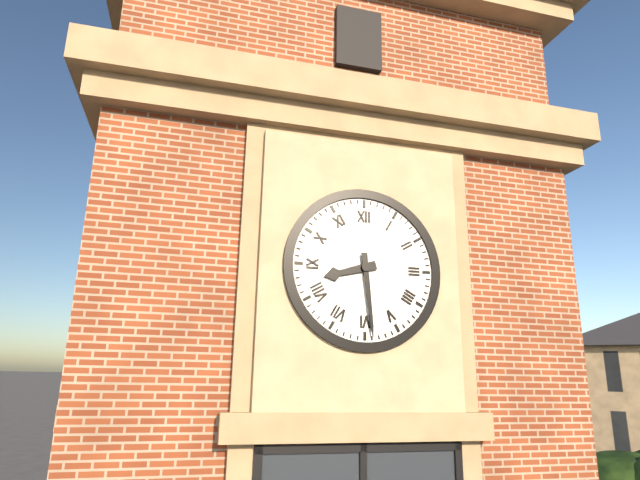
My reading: 8:29
